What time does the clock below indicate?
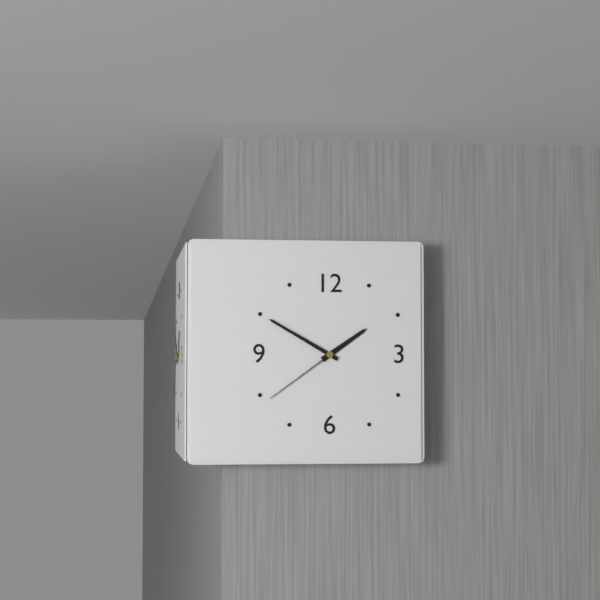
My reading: 1:50:39
